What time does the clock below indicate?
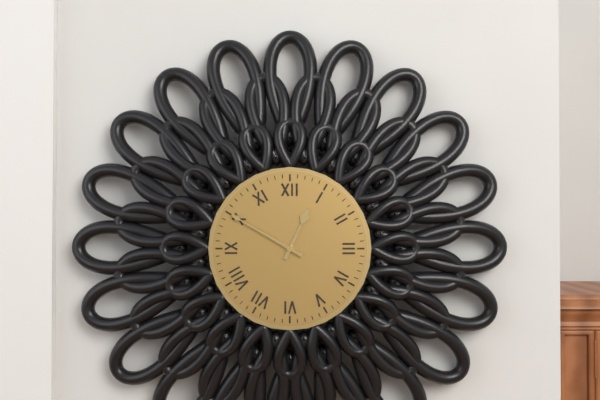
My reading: 12:50
